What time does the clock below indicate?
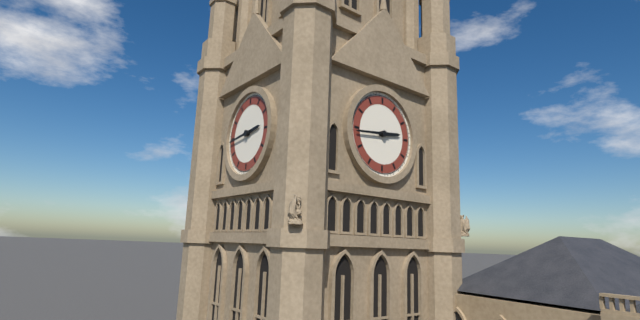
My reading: 2:44
